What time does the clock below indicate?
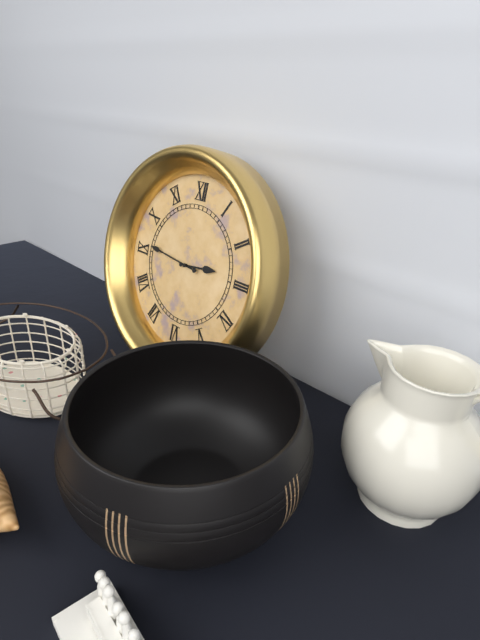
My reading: 2:46
